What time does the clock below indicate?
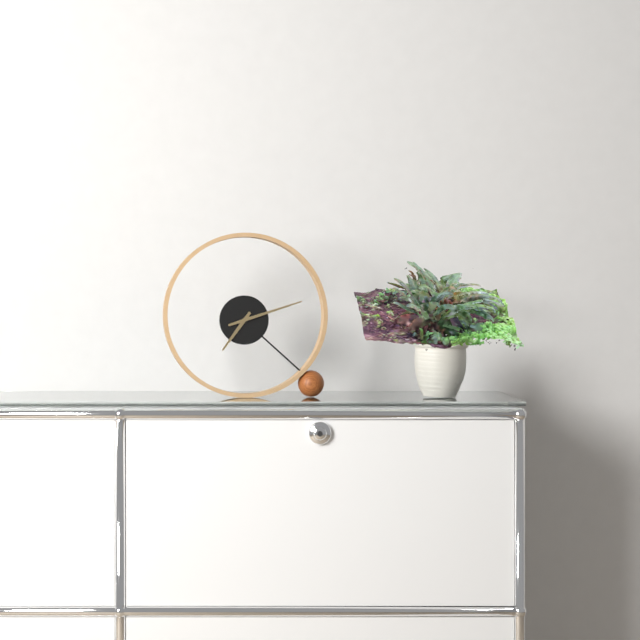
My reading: 7:12
